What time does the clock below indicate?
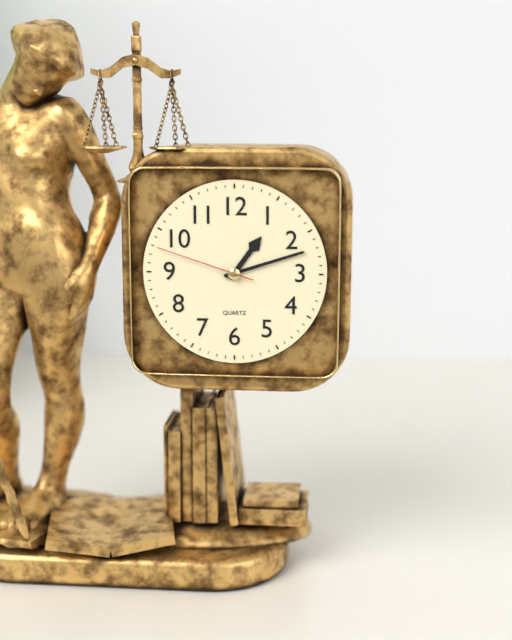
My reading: 1:12:48
